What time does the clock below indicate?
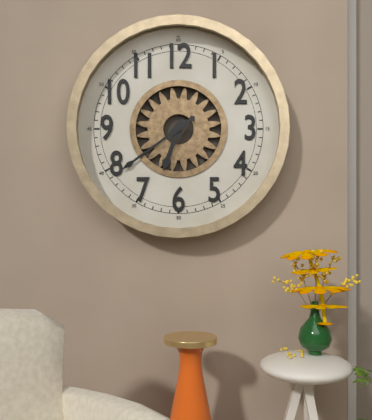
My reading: 6:39
